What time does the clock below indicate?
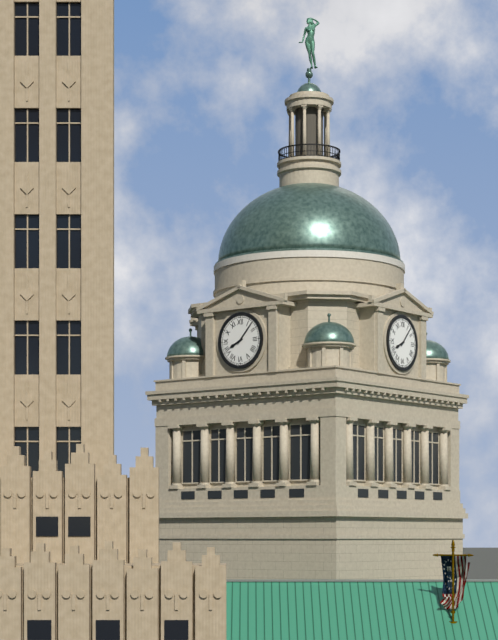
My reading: 8:07
